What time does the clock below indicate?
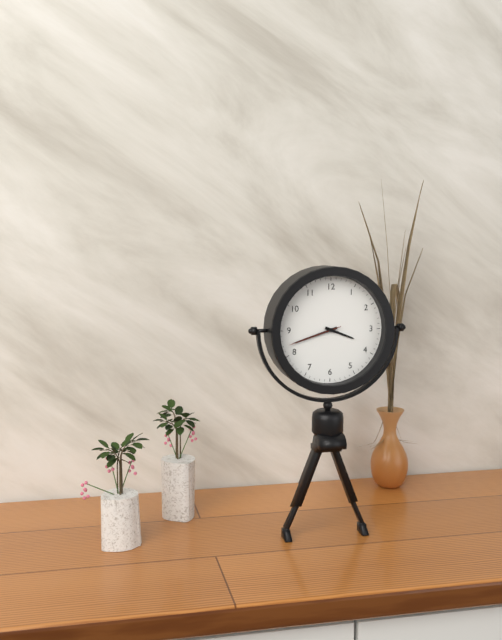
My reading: 3:42:42
